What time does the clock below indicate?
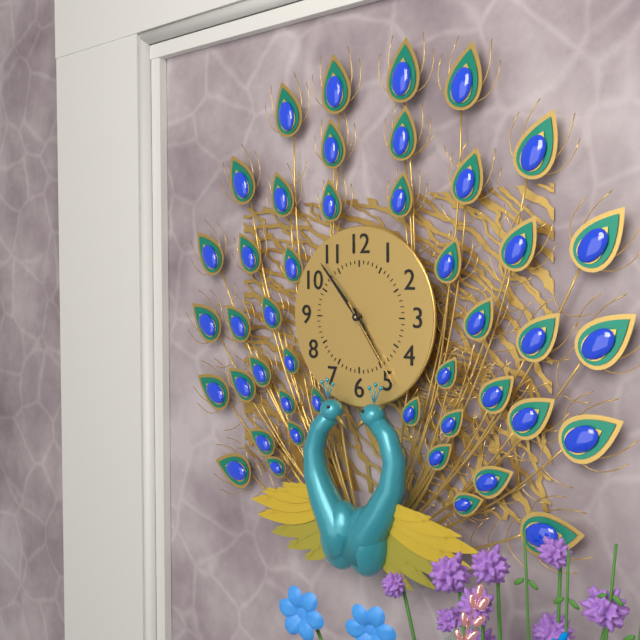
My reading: 4:53:24
